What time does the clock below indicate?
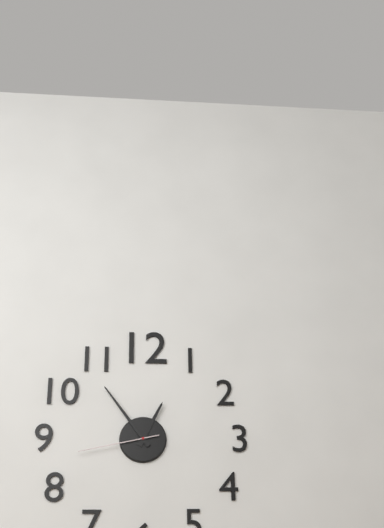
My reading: 12:54:43
